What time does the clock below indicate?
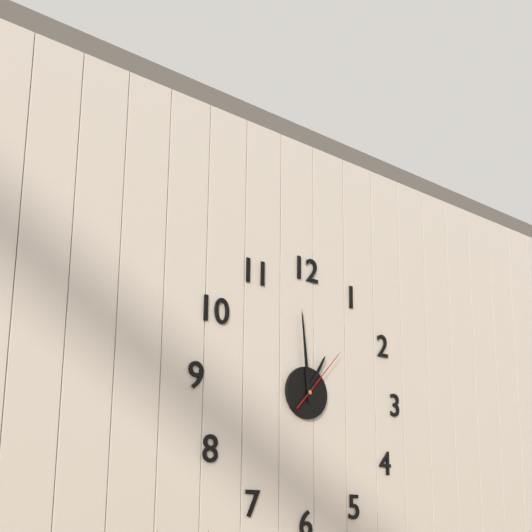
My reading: 12:59:07
